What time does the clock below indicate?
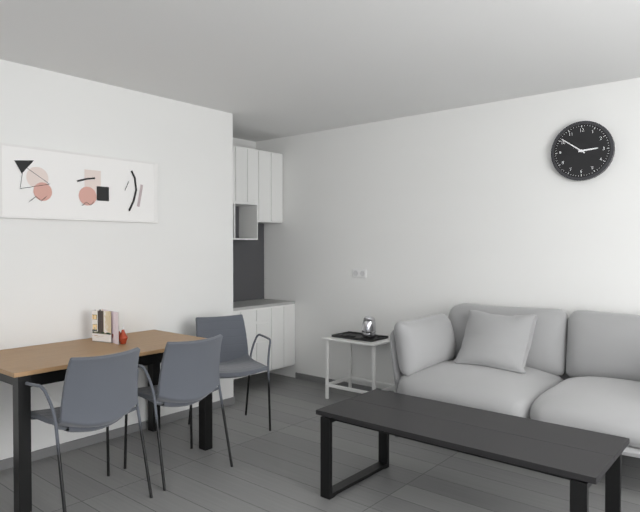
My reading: 2:51
